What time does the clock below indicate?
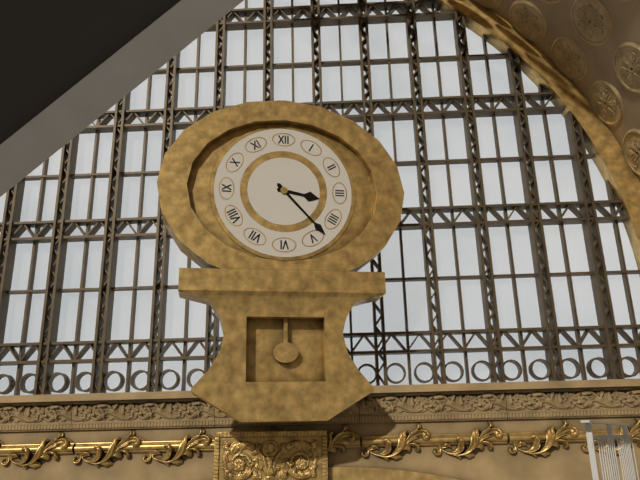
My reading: 3:23
